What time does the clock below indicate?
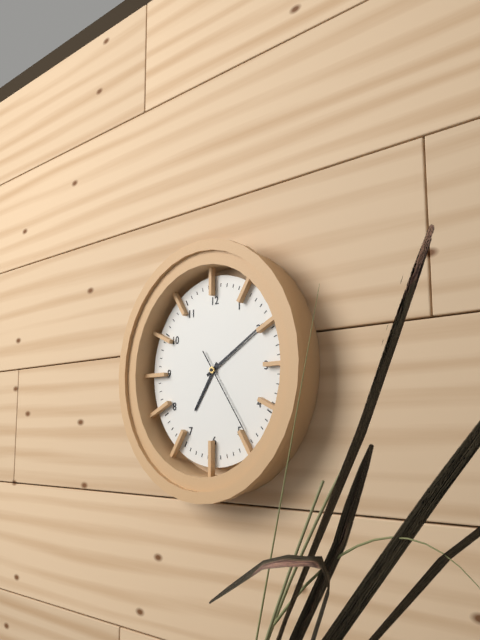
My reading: 7:10:24
